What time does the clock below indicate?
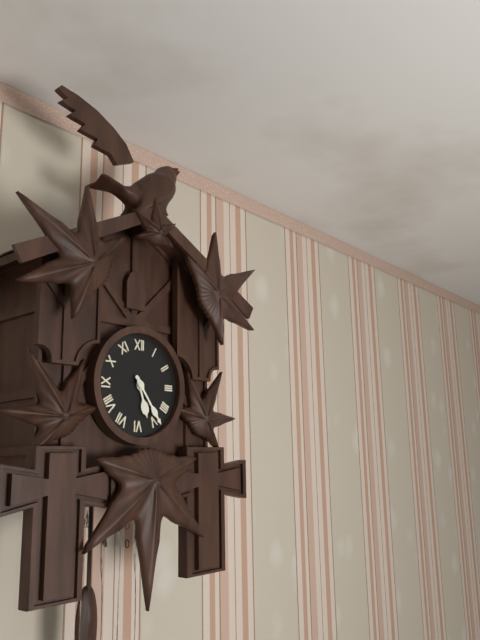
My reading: 5:24
